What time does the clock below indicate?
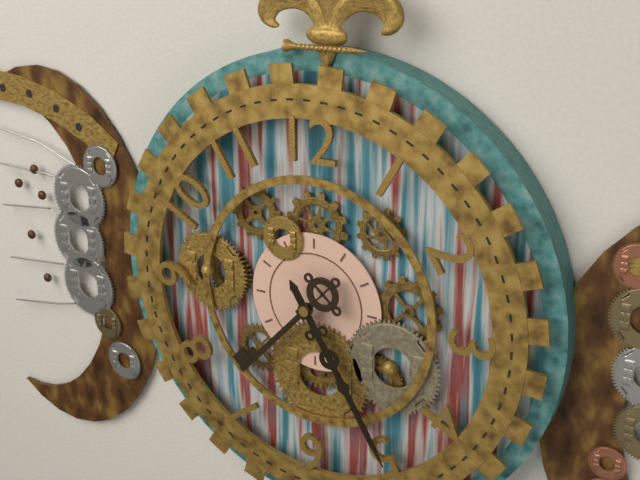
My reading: 7:25
